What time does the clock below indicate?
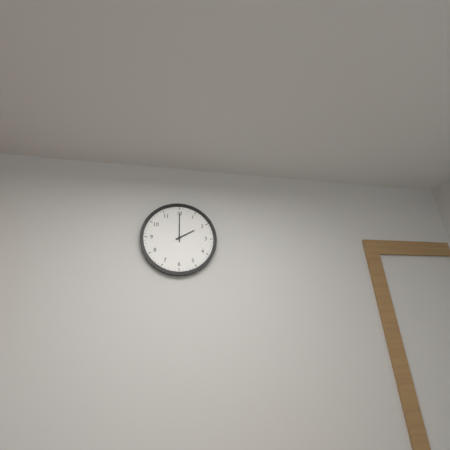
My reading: 2:00
